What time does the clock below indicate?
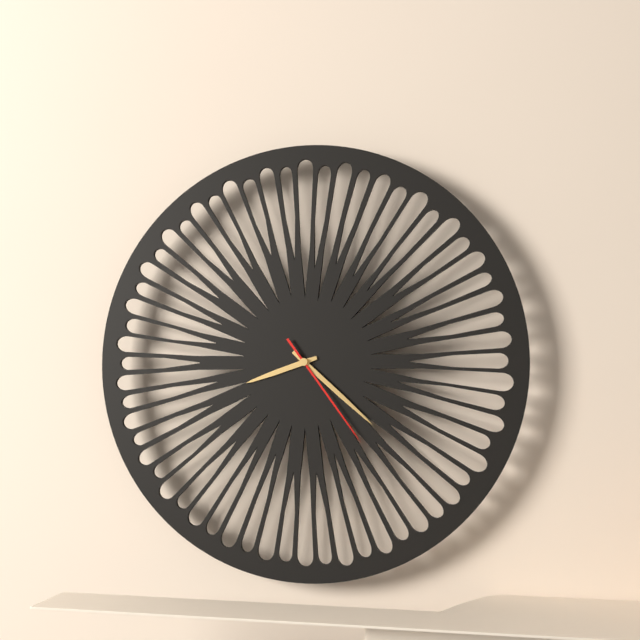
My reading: 8:22:24
